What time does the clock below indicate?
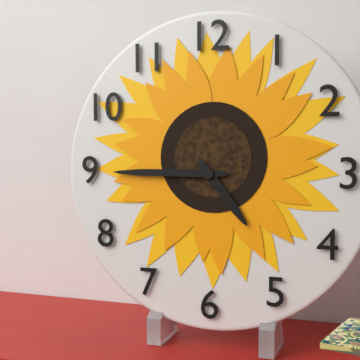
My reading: 4:45
